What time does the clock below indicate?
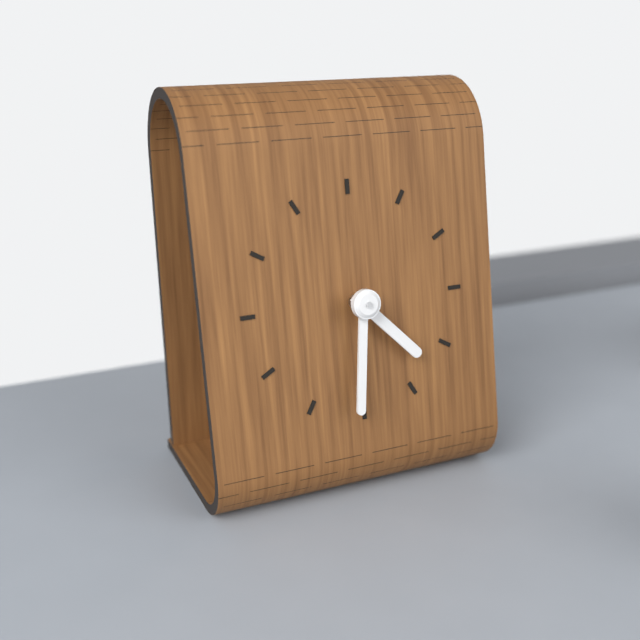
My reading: 4:31
